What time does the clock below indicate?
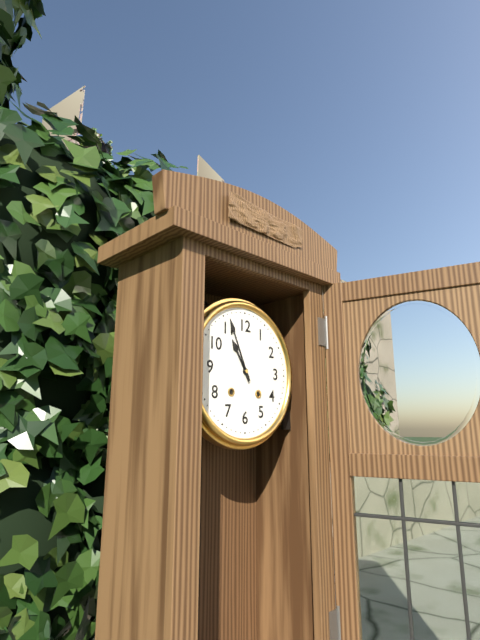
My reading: 10:56
